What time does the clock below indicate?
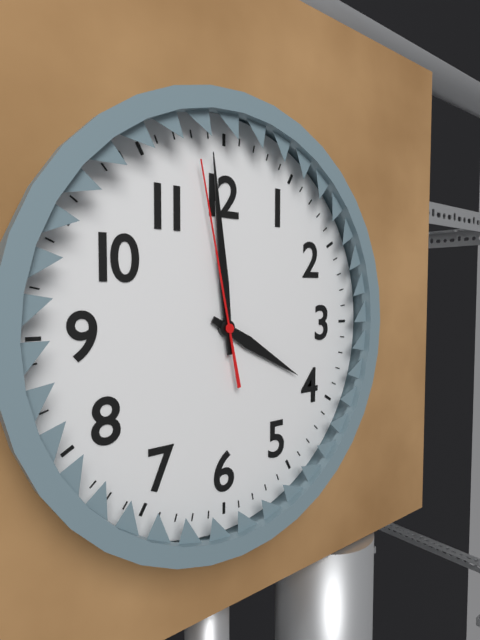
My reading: 3:59:58
